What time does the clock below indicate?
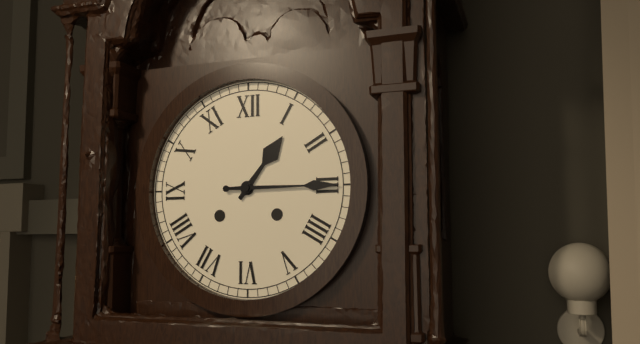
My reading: 1:15
